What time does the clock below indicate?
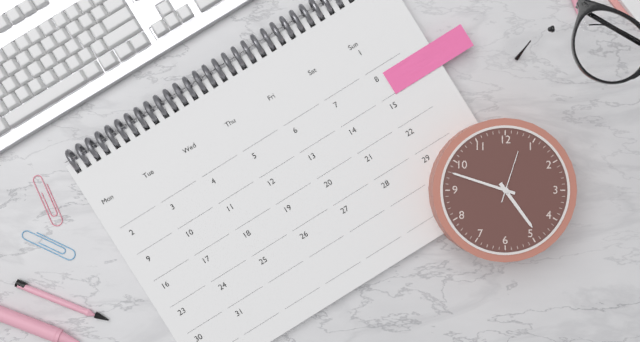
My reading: 4:48:03
